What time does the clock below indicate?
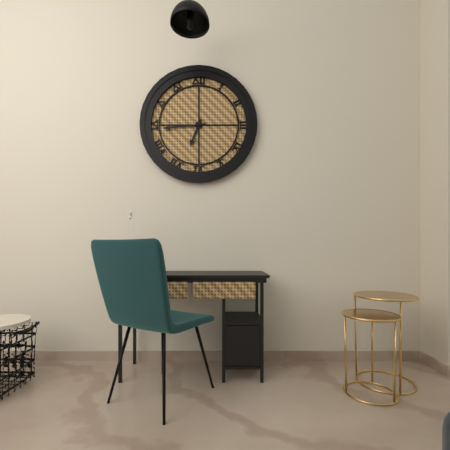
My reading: 6:44
